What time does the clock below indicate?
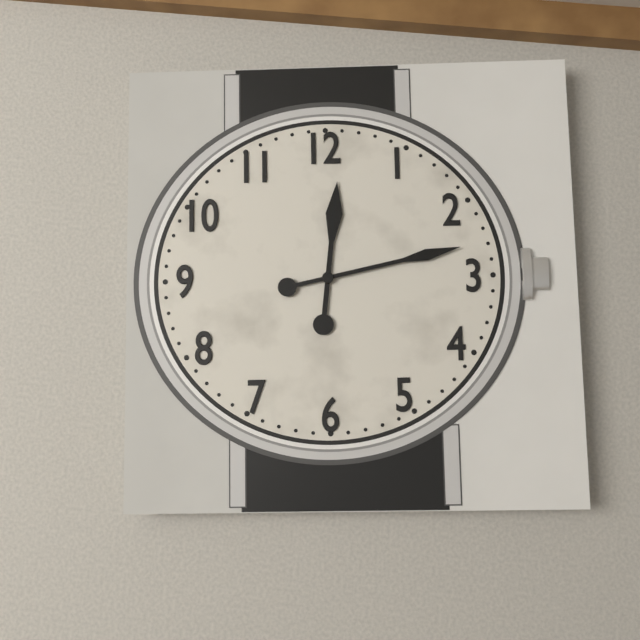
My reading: 12:13
